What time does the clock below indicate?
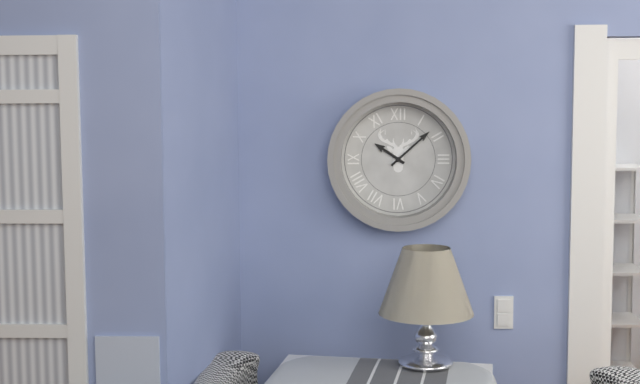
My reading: 10:08
